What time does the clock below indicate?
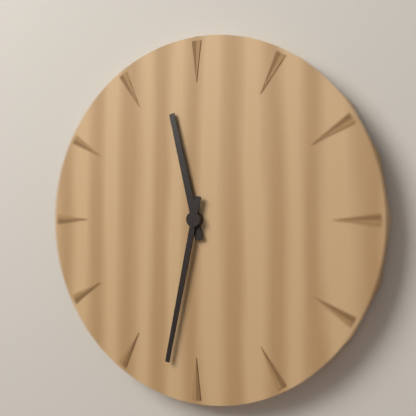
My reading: 11:32
